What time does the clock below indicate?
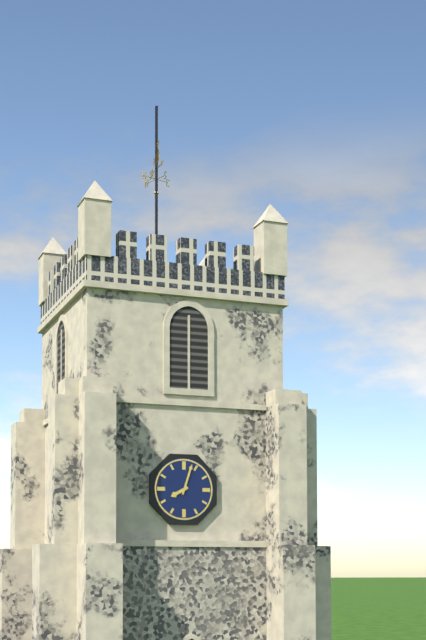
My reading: 8:03
